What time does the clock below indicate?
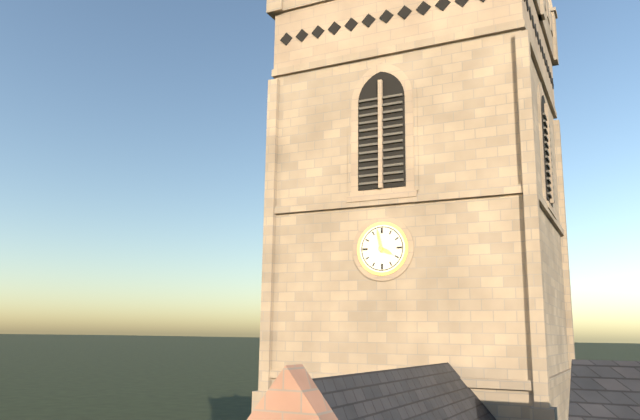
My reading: 3:58
